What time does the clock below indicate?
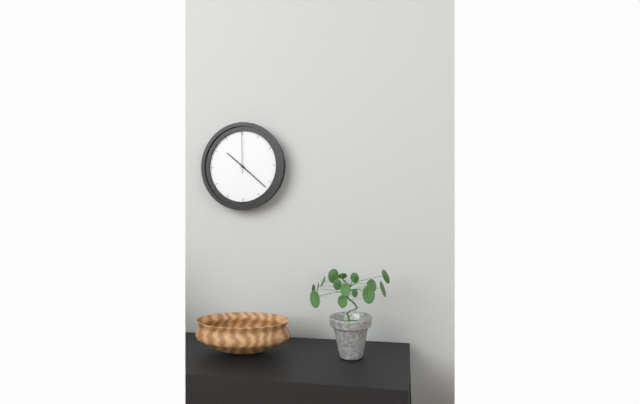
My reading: 10:22
